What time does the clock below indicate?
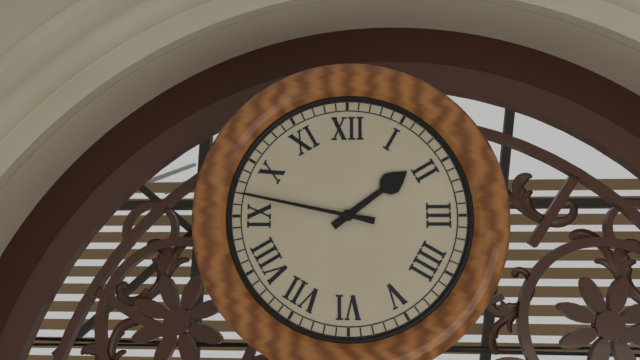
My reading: 1:47
